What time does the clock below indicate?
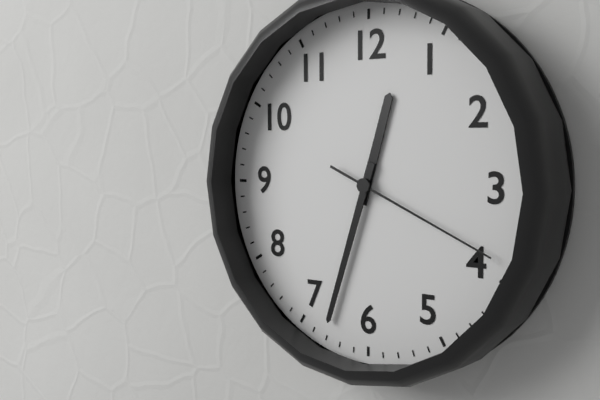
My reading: 12:33:19
